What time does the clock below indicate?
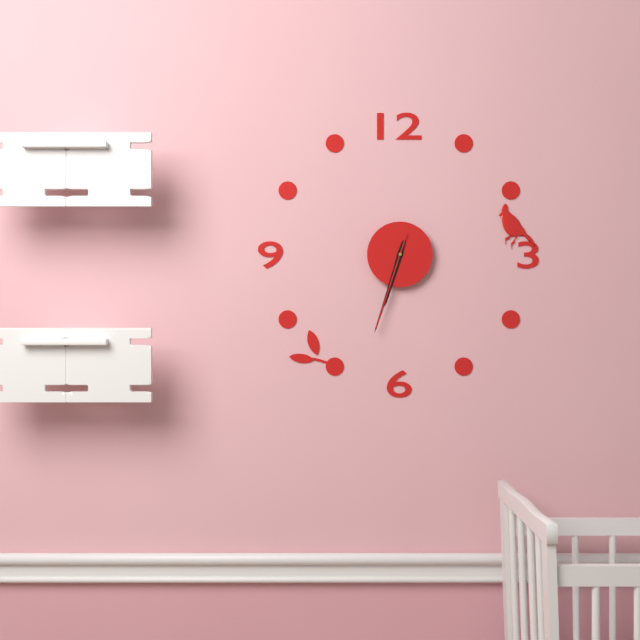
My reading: 6:33:33
